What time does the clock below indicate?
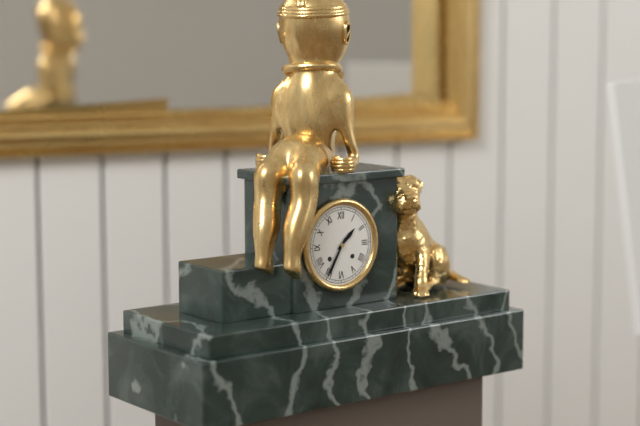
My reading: 1:35
